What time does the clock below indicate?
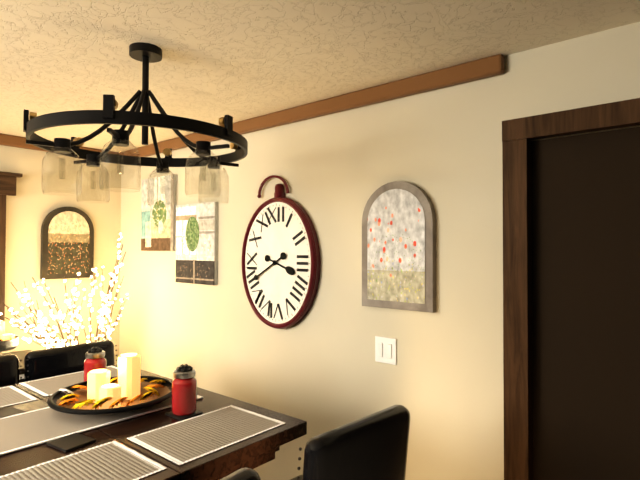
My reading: 3:40
